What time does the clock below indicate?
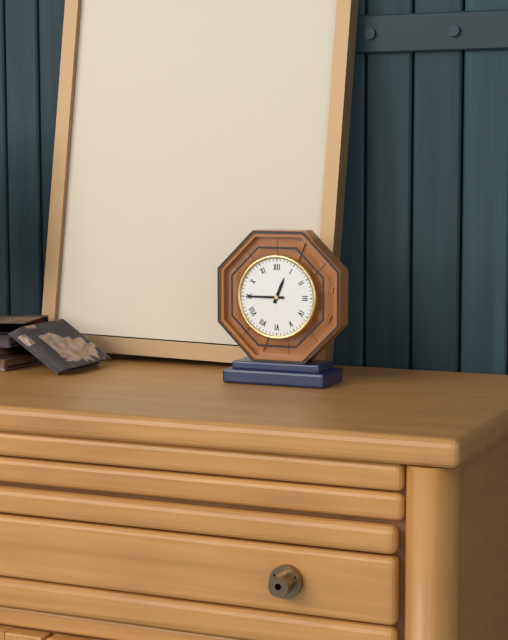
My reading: 12:45
